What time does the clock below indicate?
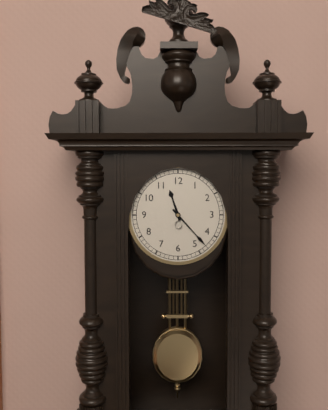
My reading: 11:23
